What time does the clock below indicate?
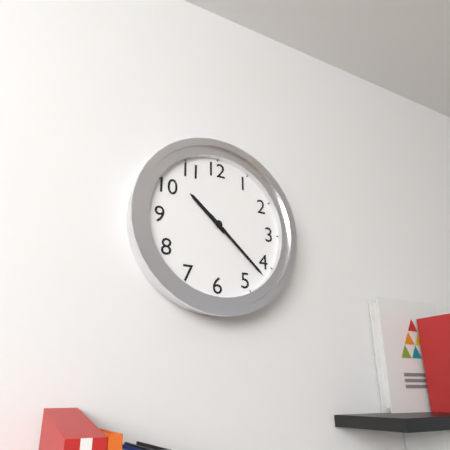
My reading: 10:22
